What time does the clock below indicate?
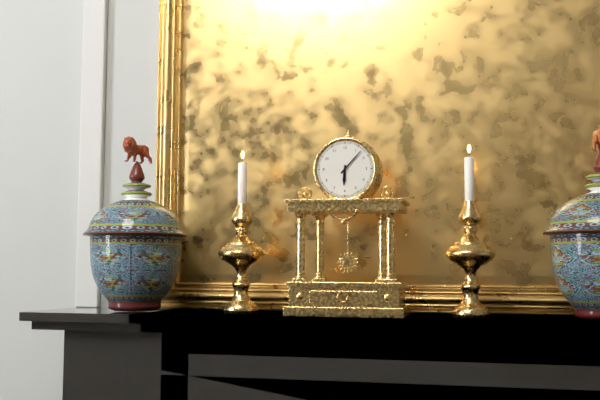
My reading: 6:07
